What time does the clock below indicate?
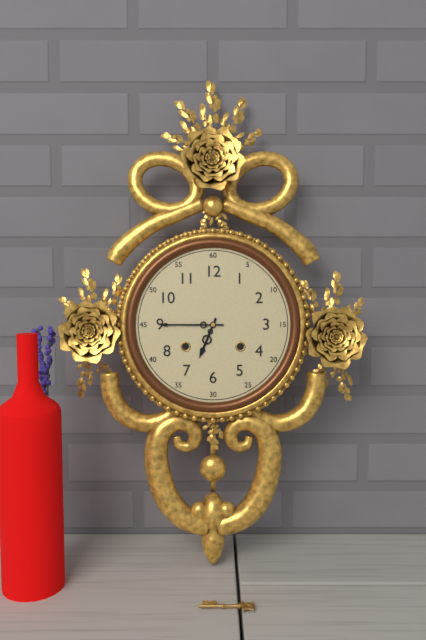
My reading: 6:45
